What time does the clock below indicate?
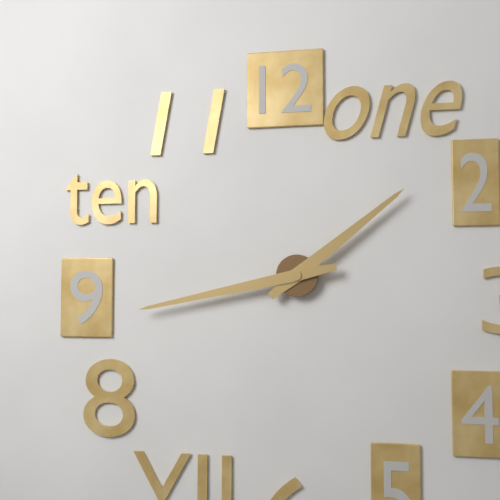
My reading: 1:43
